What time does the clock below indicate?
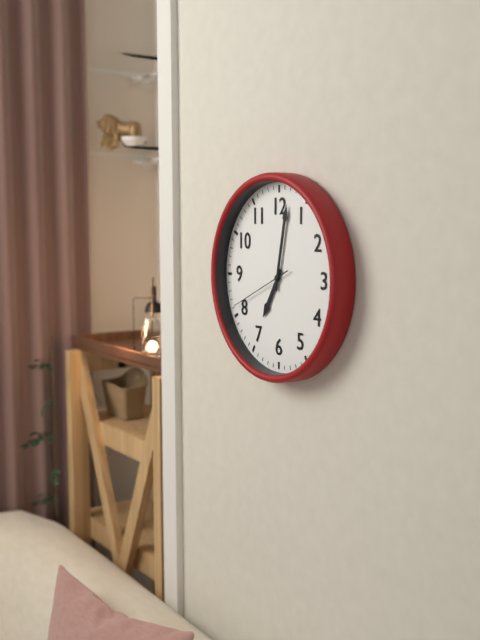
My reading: 7:02:41
